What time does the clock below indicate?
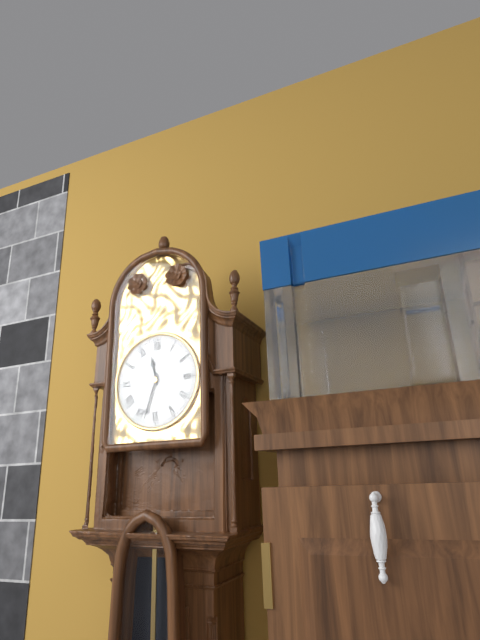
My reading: 11:33
